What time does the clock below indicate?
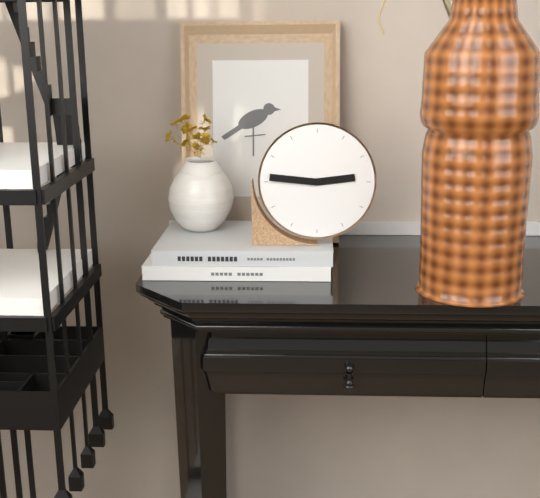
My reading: 2:46
